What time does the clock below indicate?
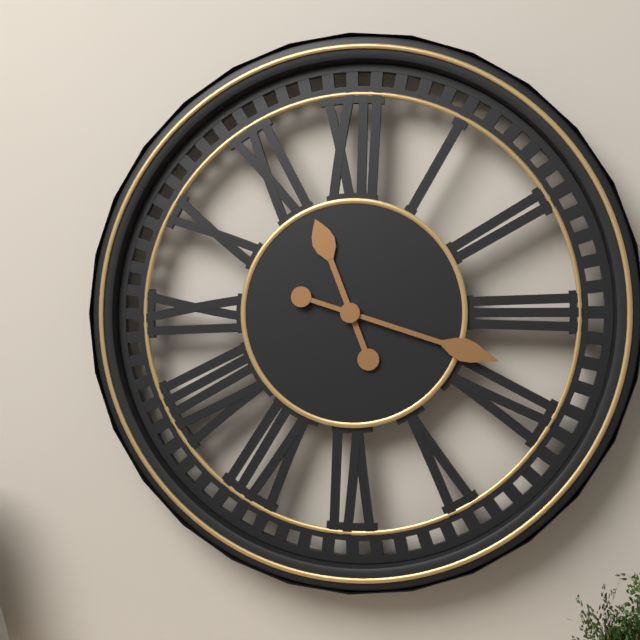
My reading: 11:18
